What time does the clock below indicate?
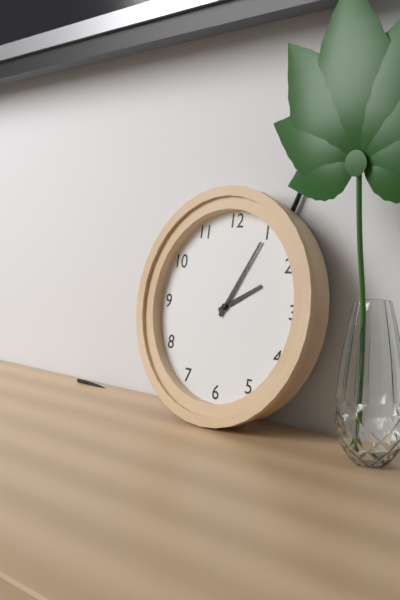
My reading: 2:05
